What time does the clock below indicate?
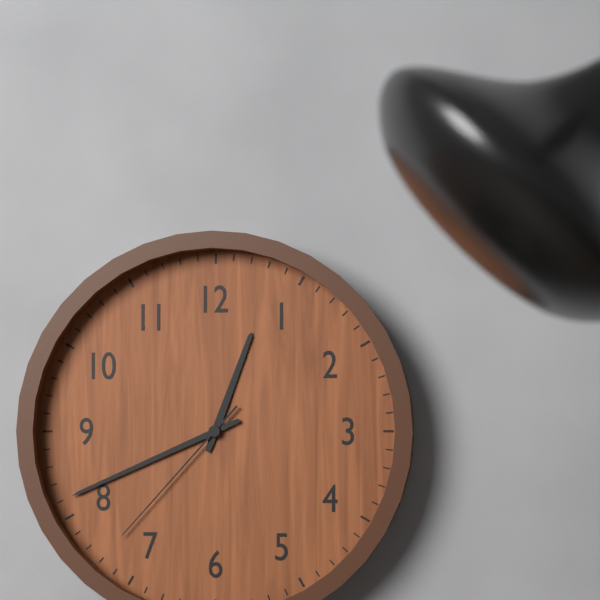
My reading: 12:41:37
